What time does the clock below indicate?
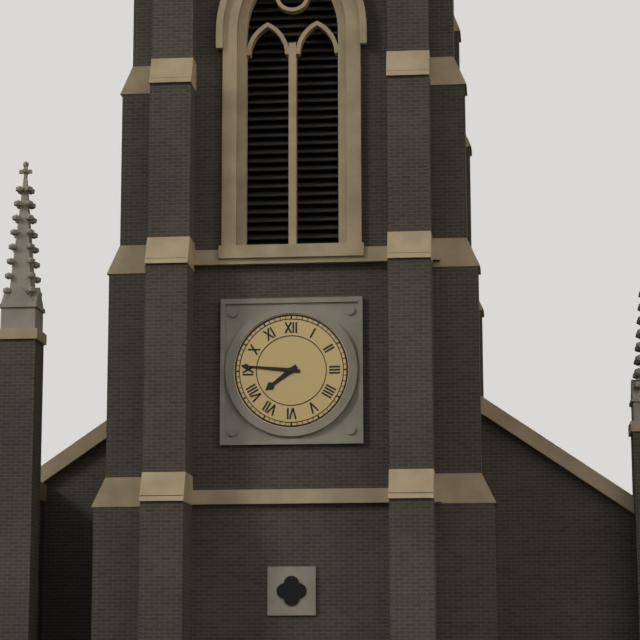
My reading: 7:46
